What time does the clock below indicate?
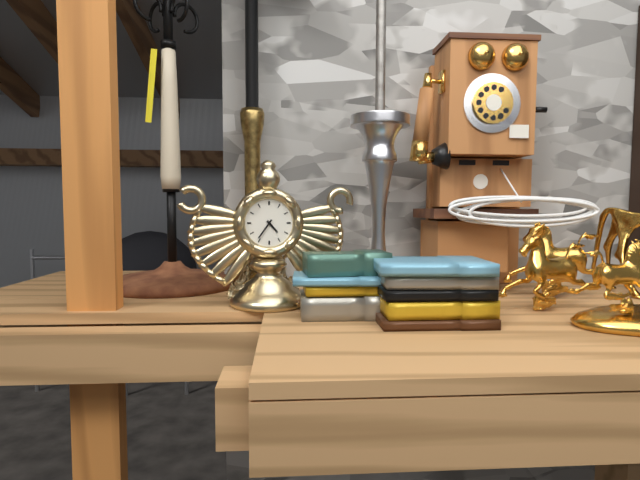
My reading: 4:36
